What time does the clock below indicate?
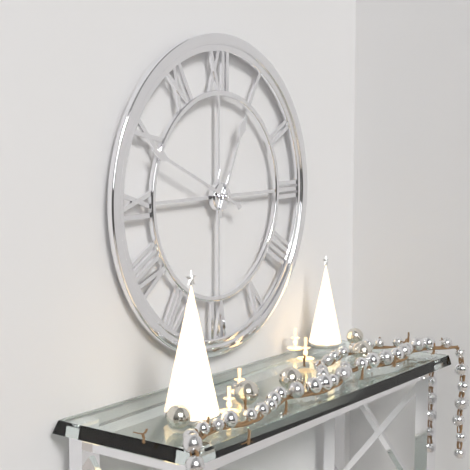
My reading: 12:49
